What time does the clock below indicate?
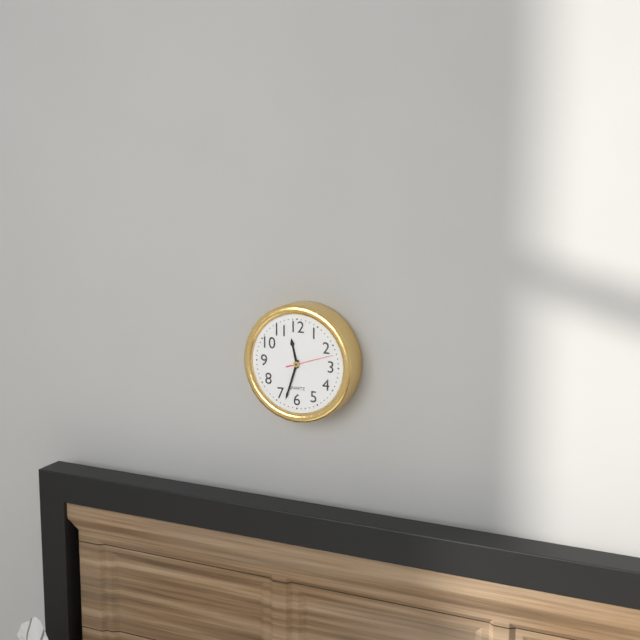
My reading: 11:33
